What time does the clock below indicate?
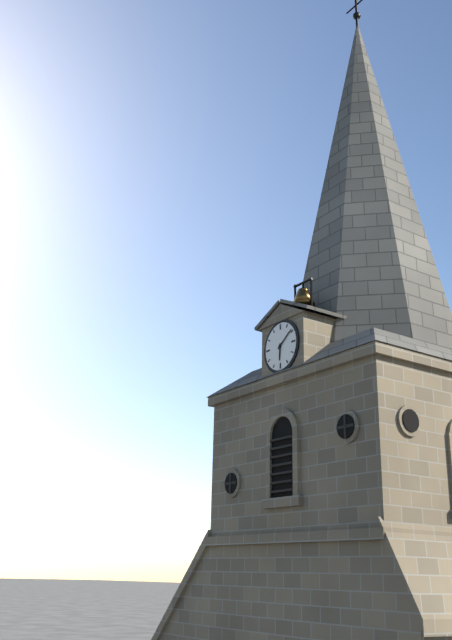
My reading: 6:09
